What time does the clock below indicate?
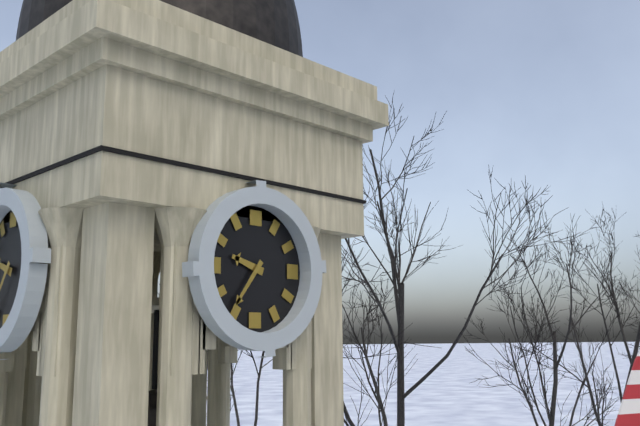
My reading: 9:36
